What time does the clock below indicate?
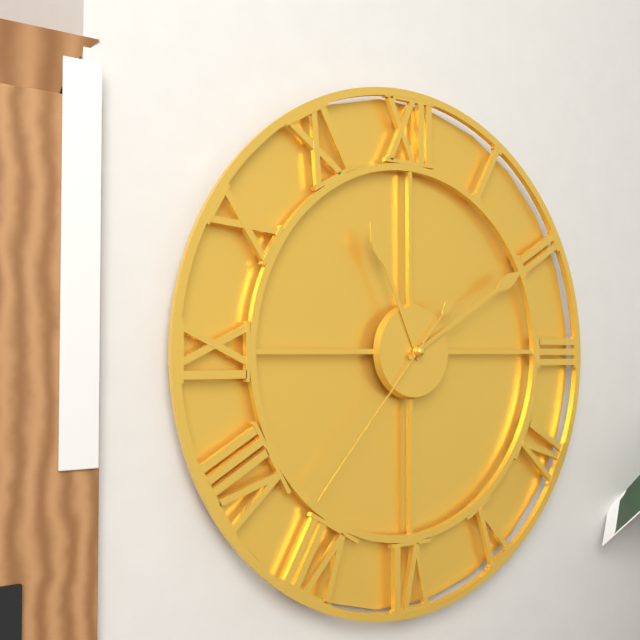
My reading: 11:10:37
